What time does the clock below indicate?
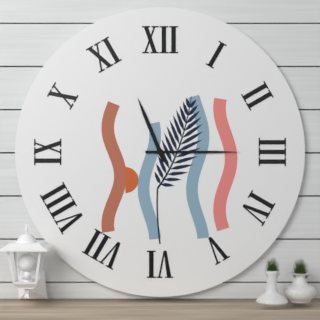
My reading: 11:15
